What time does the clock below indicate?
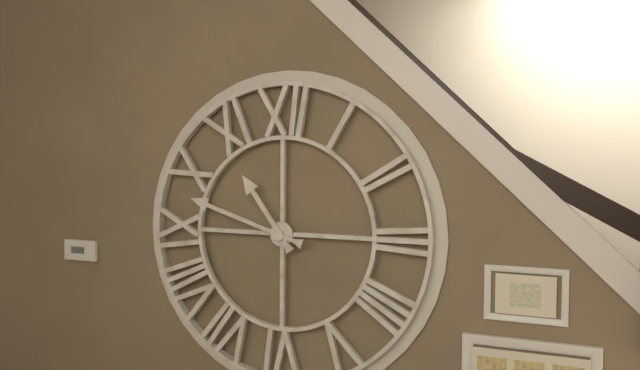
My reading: 10:48
